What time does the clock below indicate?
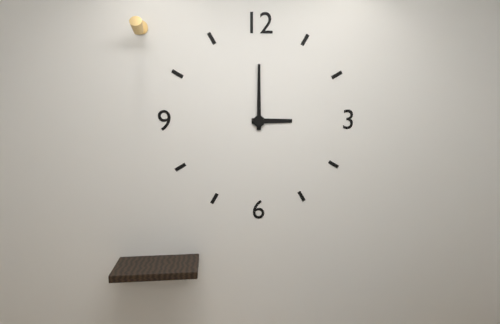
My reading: 3:00
